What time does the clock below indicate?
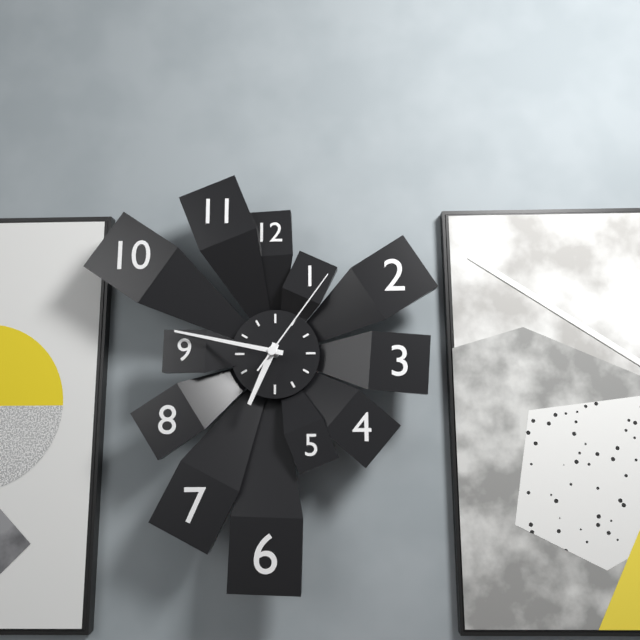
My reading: 6:47:06
